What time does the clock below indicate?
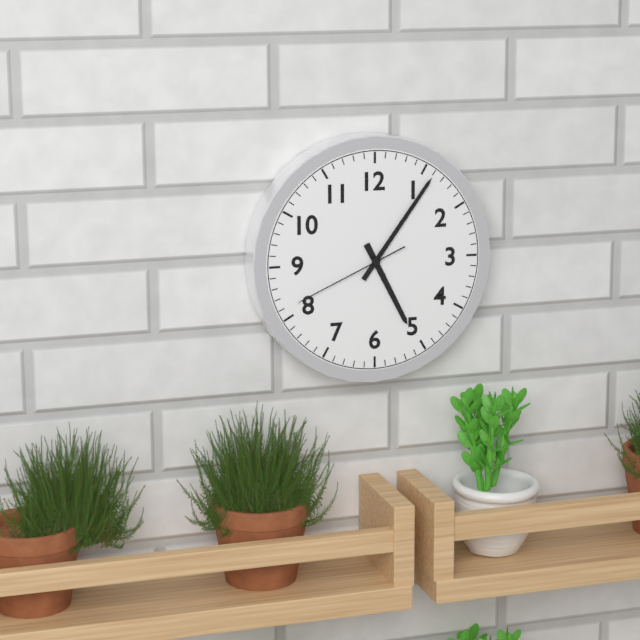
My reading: 5:06:41
